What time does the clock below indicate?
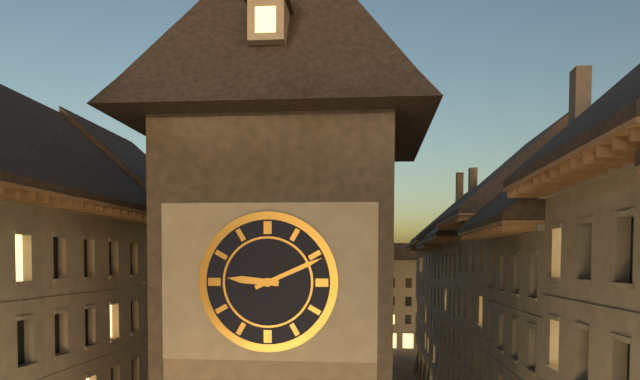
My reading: 9:11
